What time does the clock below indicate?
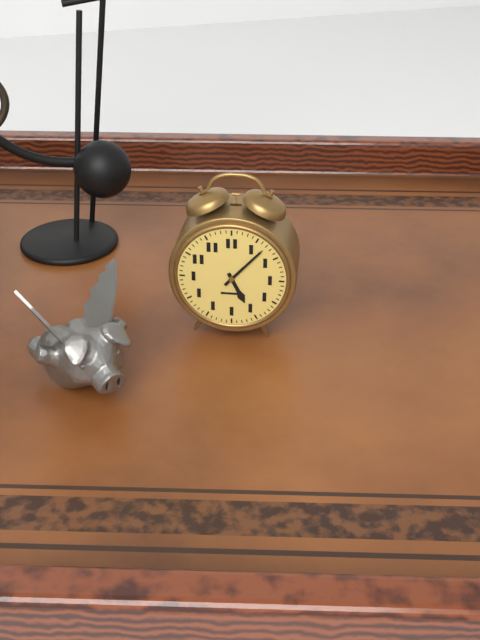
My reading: 5:07
